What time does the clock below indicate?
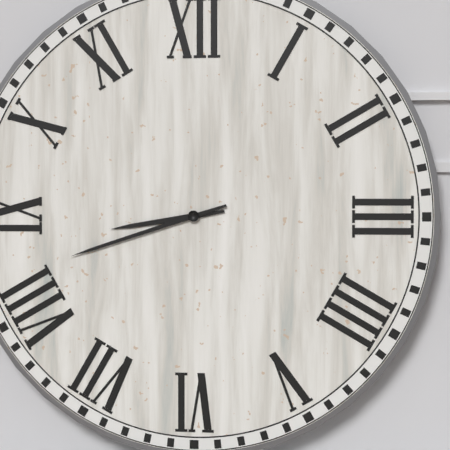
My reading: 8:42
